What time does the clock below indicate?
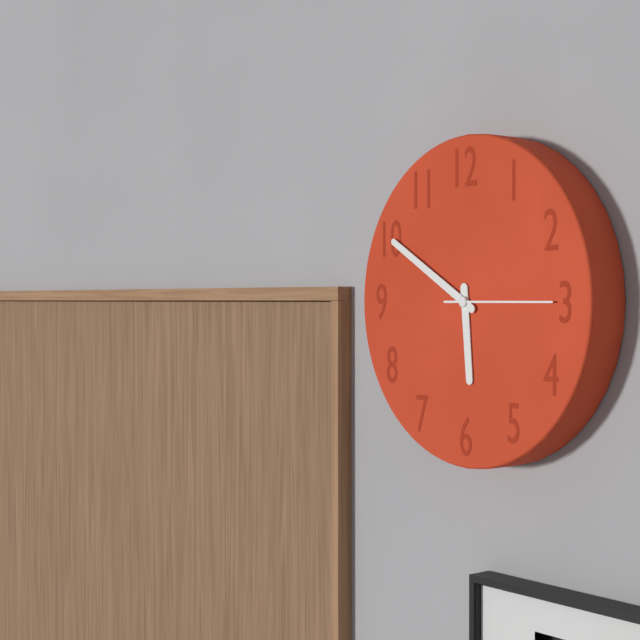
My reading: 5:50:15
